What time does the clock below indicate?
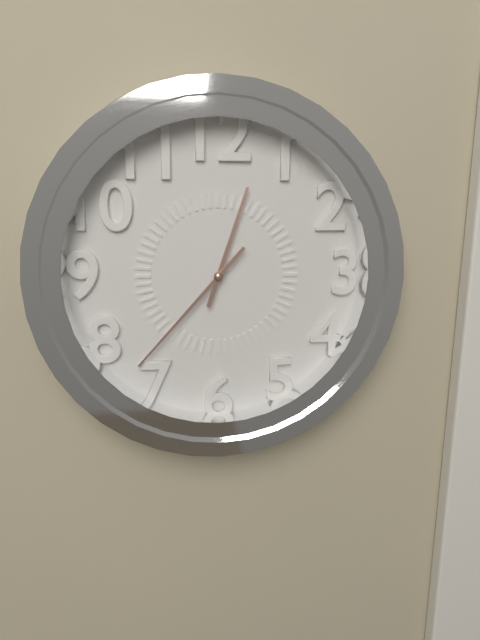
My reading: 12:37
